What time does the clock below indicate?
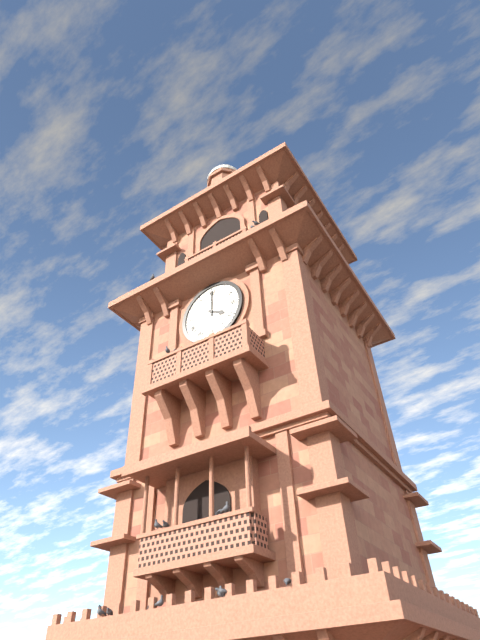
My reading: 4:00
